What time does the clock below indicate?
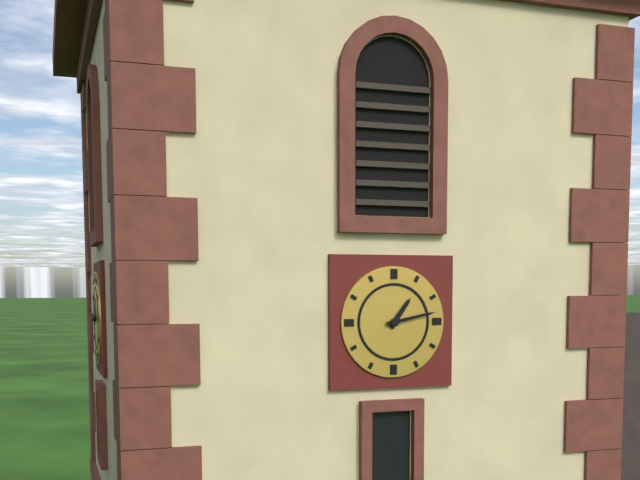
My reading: 1:13
